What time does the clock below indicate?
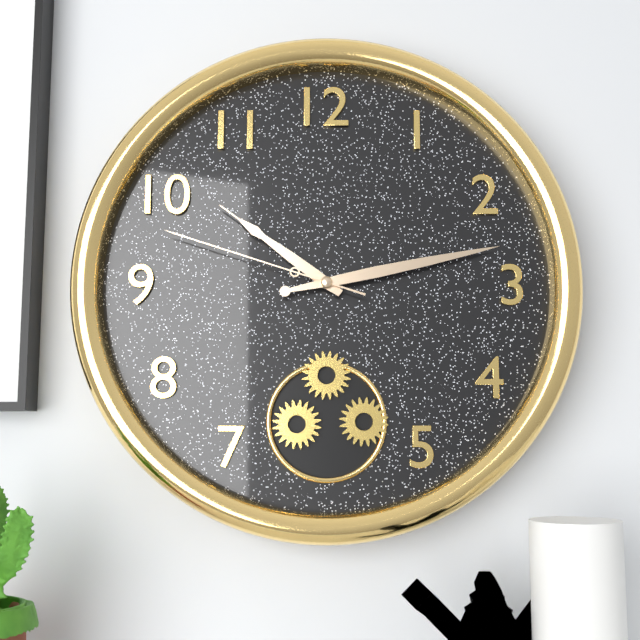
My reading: 10:13:48
